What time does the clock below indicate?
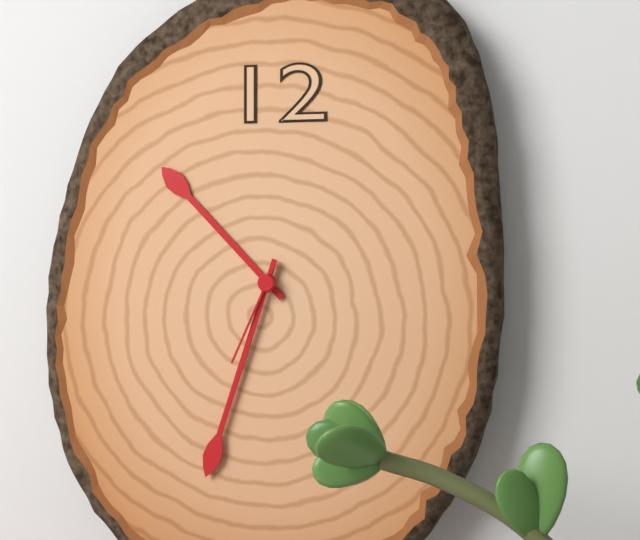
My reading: 10:33:34
